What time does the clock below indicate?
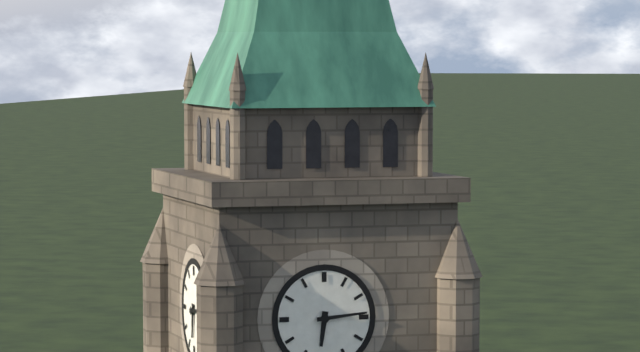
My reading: 6:14
